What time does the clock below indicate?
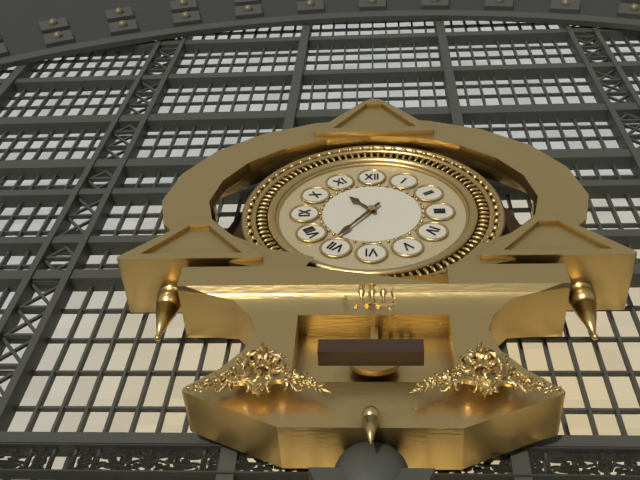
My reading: 10:36
